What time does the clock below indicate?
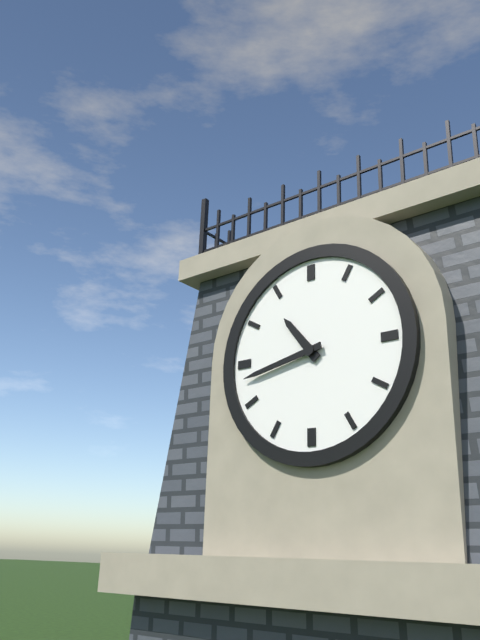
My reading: 10:43
